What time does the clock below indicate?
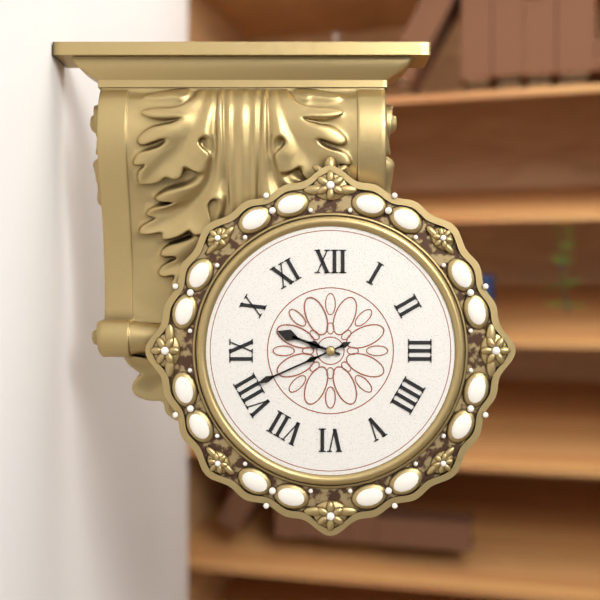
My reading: 9:41
